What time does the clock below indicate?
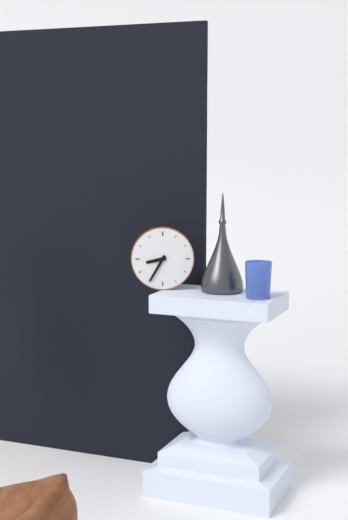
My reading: 8:35
